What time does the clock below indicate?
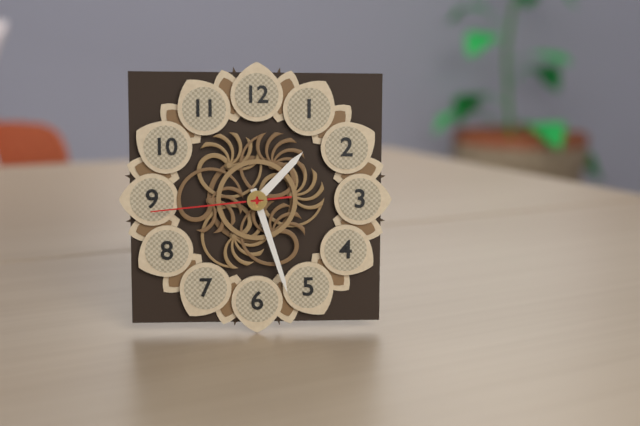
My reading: 1:27:44
